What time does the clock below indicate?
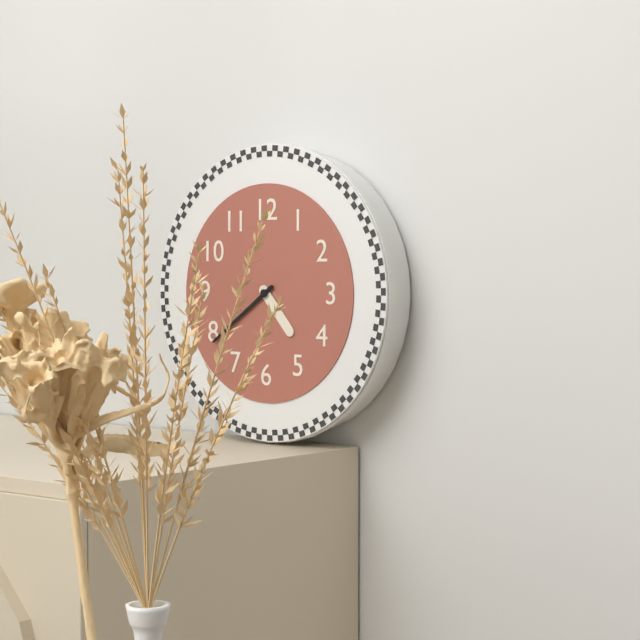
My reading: 4:39
